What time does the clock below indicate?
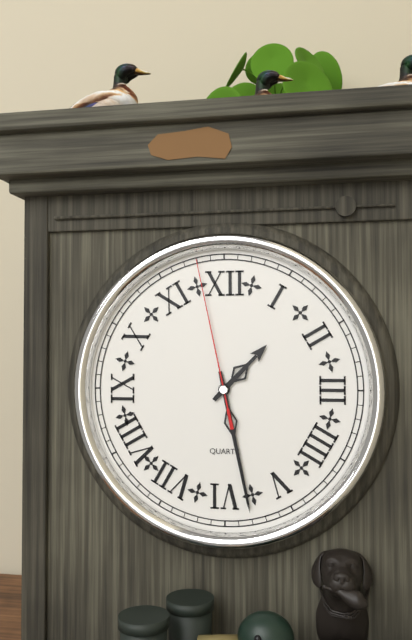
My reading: 1:28:58
